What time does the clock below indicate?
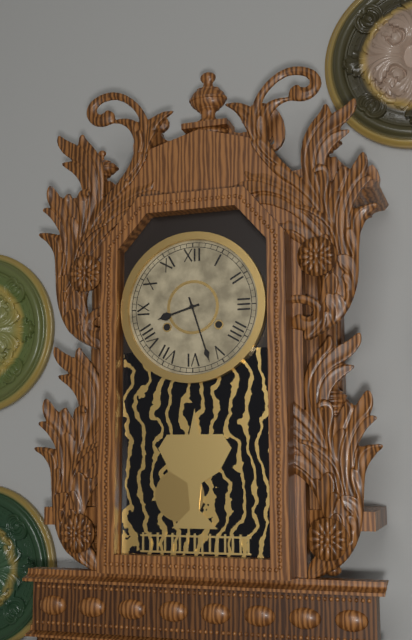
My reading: 8:27
